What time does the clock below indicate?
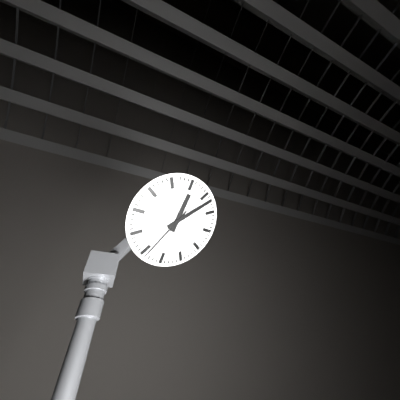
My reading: 12:07:34
